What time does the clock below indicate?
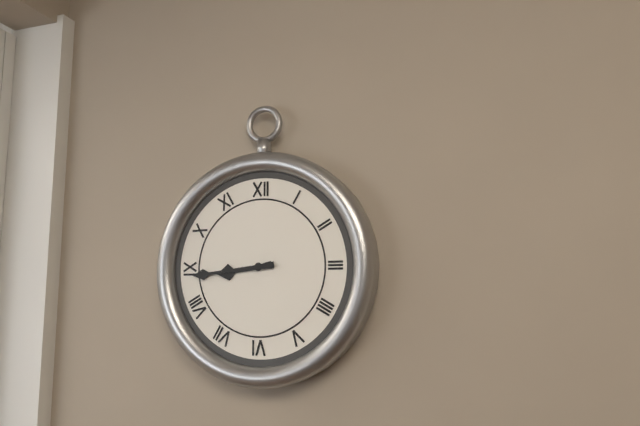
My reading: 8:44
